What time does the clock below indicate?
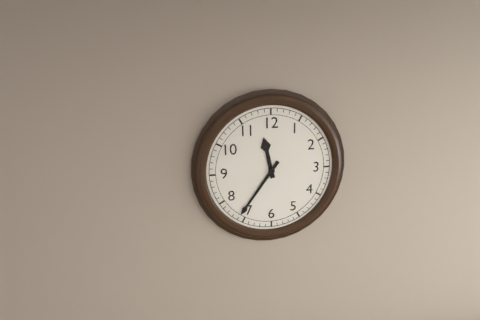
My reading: 11:36
